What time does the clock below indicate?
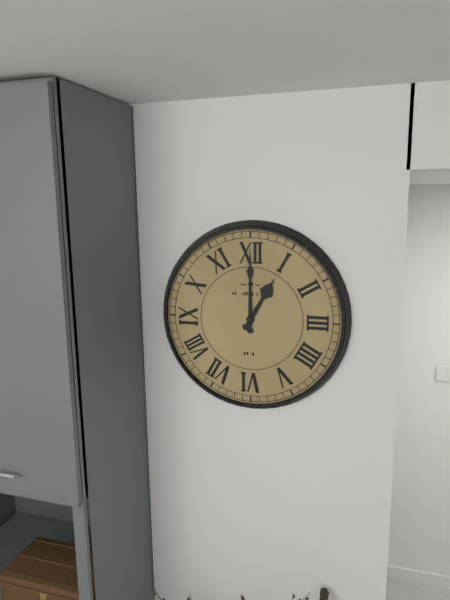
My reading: 1:00
